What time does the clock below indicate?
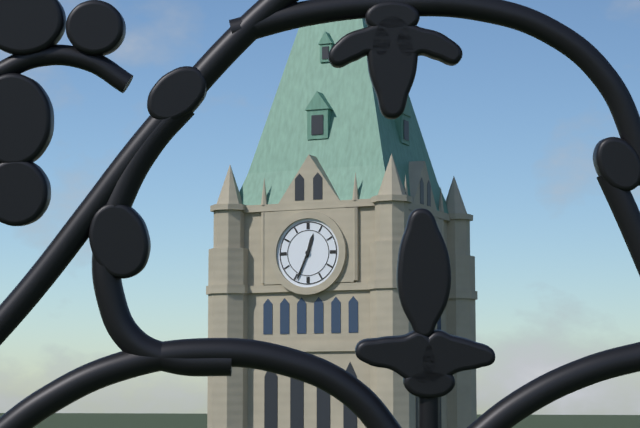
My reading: 12:34
